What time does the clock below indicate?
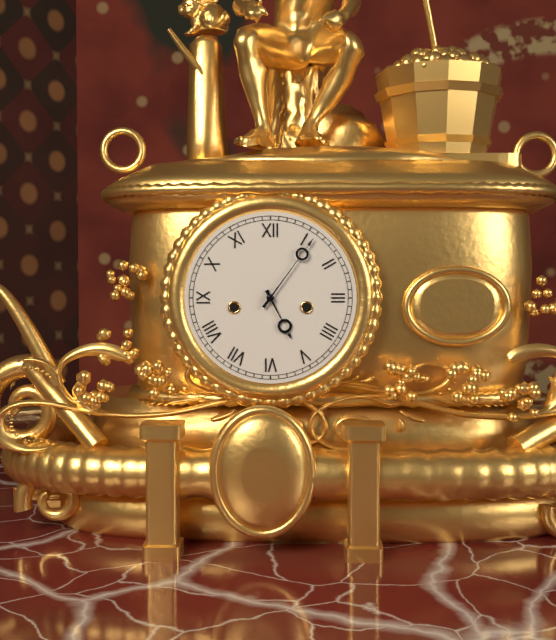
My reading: 5:06
